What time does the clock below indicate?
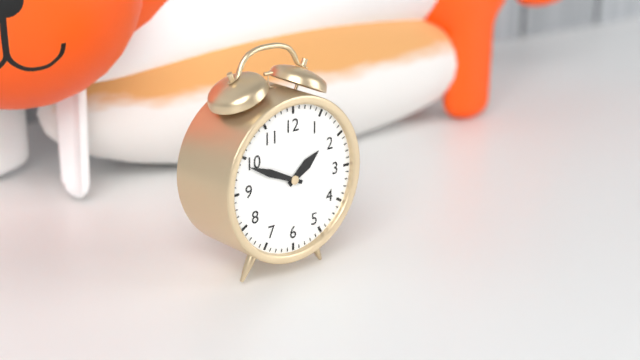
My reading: 1:49
